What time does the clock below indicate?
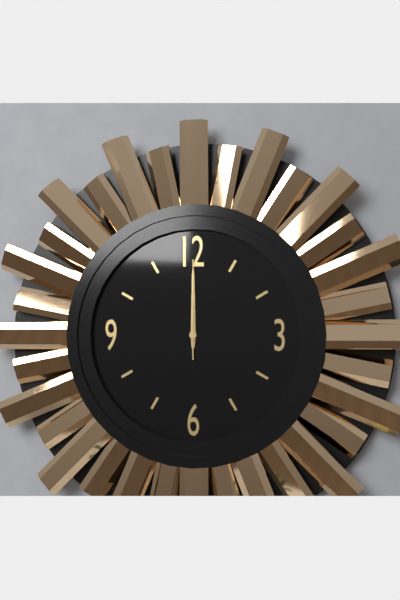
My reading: 12:00:00
